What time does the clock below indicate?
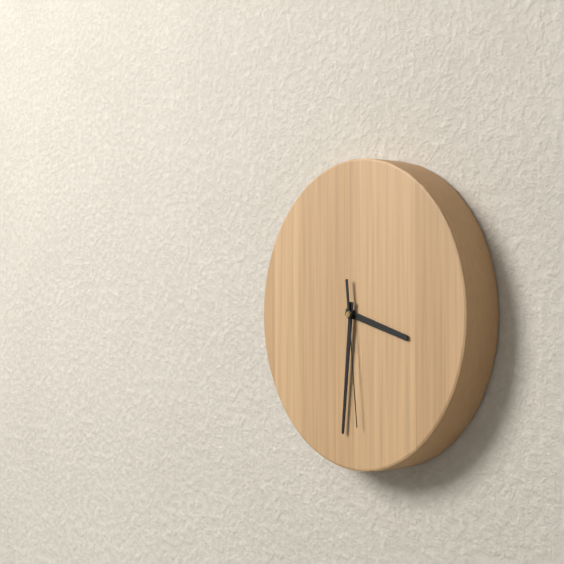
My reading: 3:31:29
